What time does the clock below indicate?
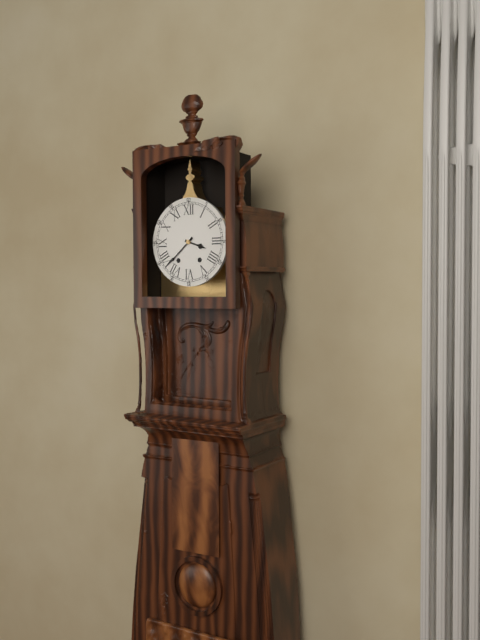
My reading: 3:38
